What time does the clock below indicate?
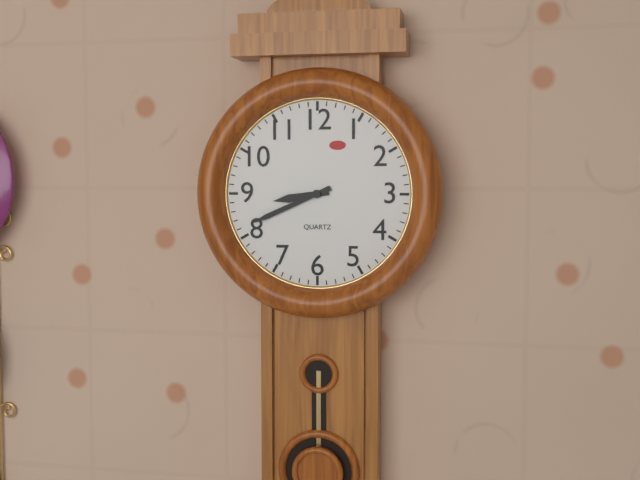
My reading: 8:41
